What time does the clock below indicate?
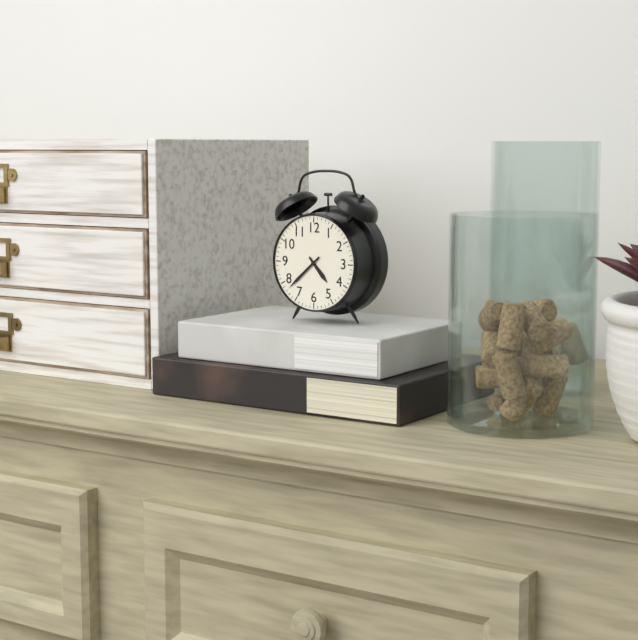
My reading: 4:38
